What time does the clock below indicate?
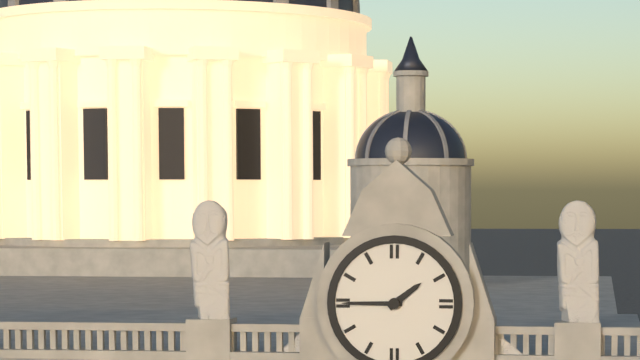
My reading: 1:45
